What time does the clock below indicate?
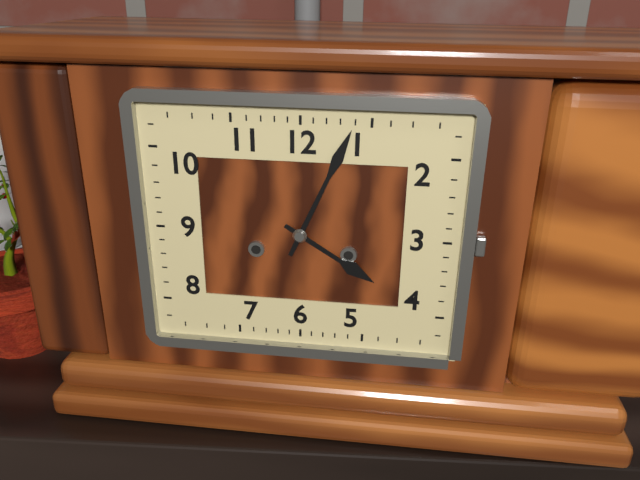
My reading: 4:04
